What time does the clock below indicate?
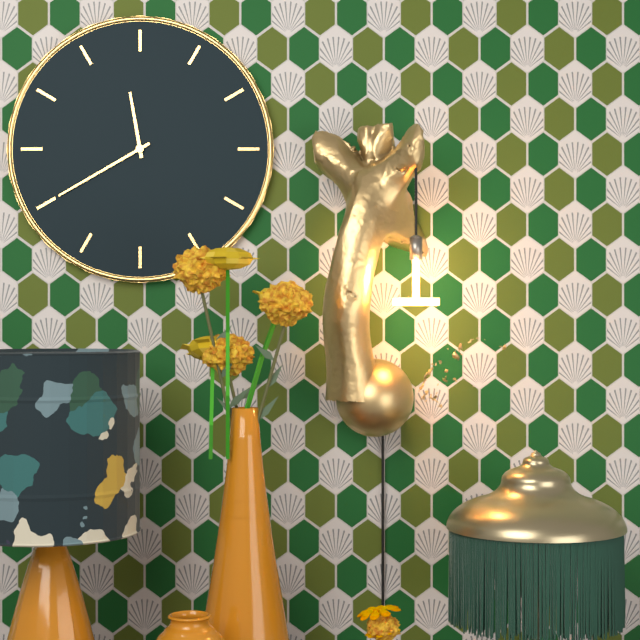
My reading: 11:40
